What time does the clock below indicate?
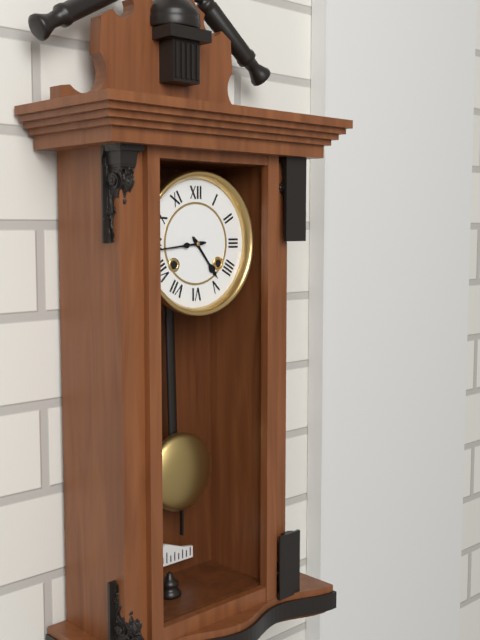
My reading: 4:44
